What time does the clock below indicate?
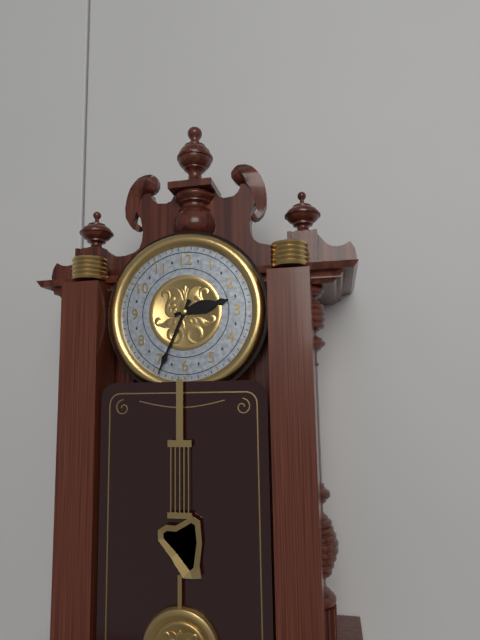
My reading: 2:34
